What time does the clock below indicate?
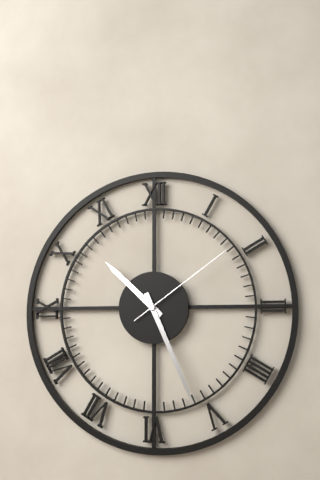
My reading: 10:26:09
